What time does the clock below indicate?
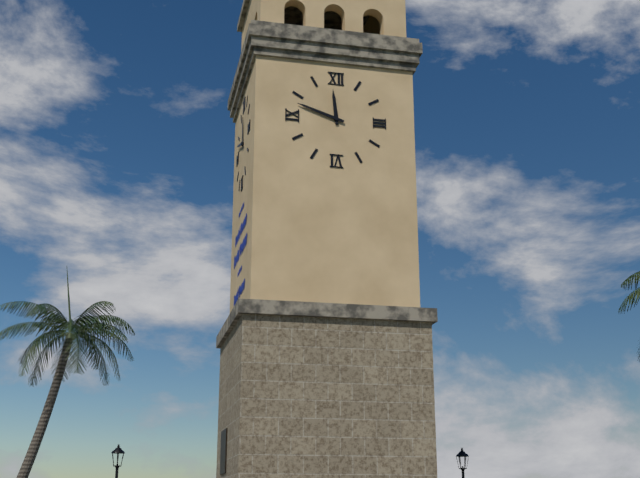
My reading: 11:48
